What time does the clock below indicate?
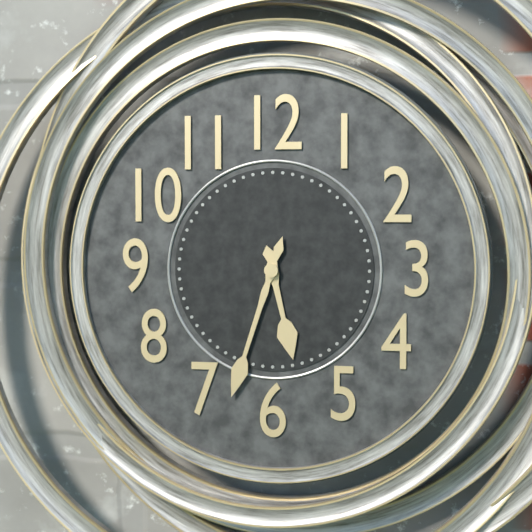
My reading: 5:33
